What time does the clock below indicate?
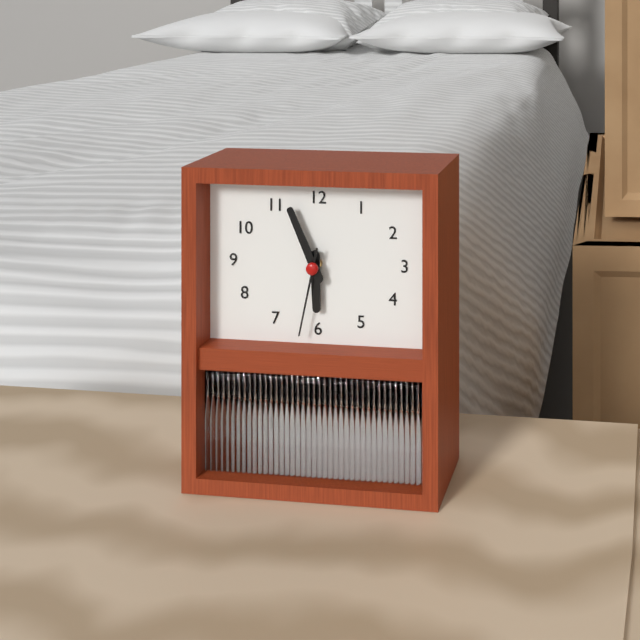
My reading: 5:56:32
